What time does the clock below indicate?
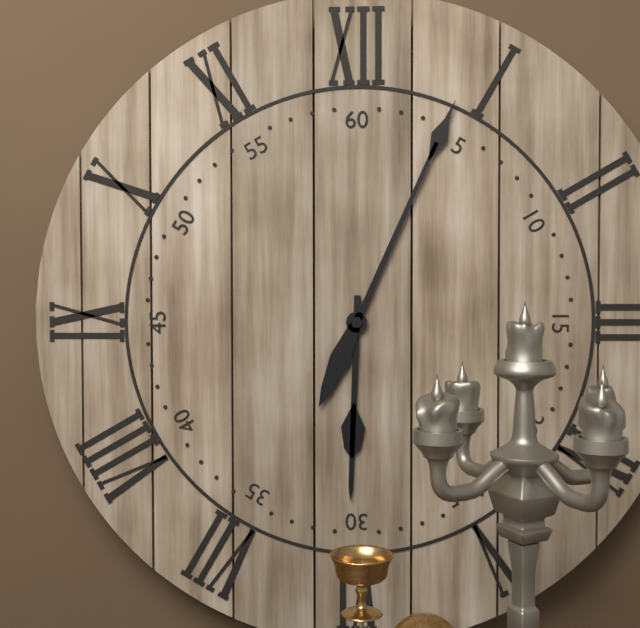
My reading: 6:04
